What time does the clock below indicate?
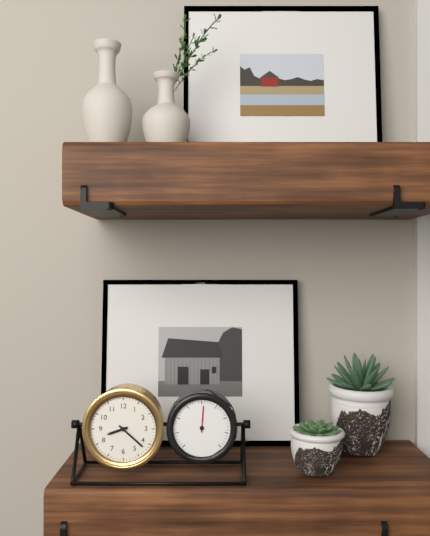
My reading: 8:22
